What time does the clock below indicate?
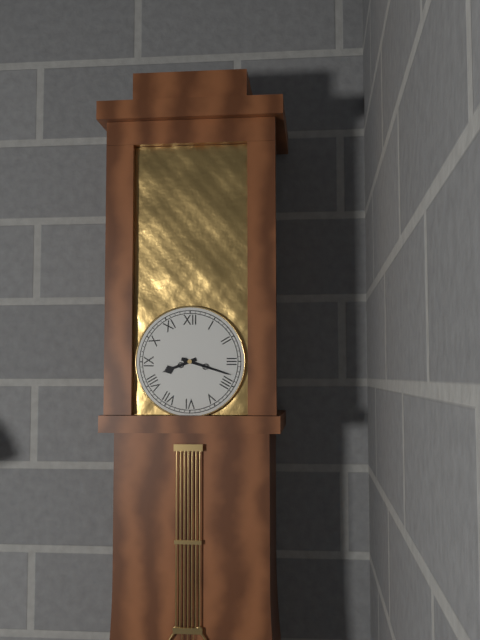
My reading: 8:18
